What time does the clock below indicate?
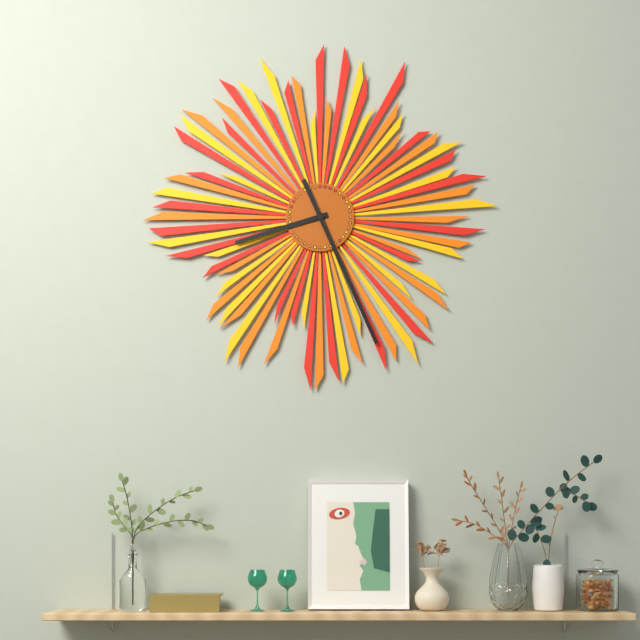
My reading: 8:26
